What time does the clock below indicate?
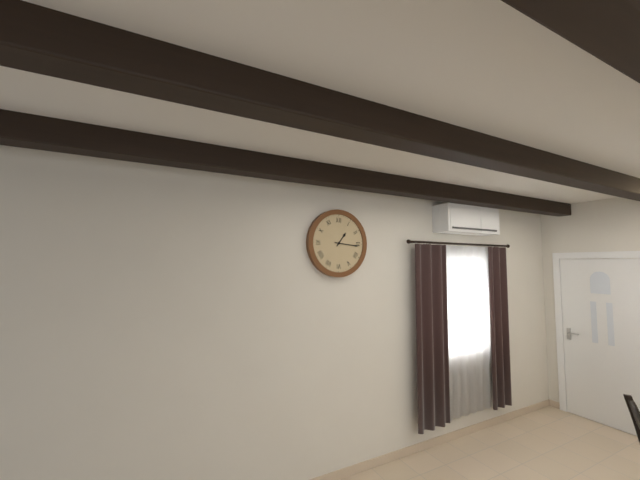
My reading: 1:16
